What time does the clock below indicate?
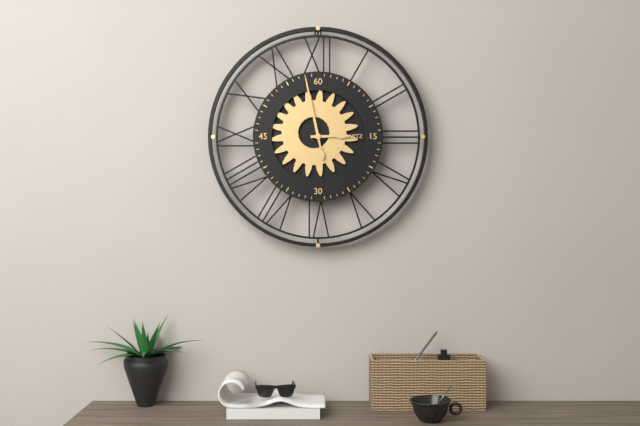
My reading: 2:58
